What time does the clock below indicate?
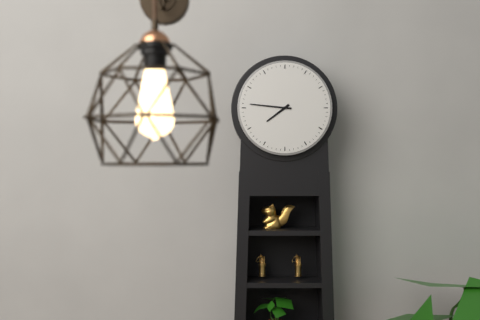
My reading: 7:46
